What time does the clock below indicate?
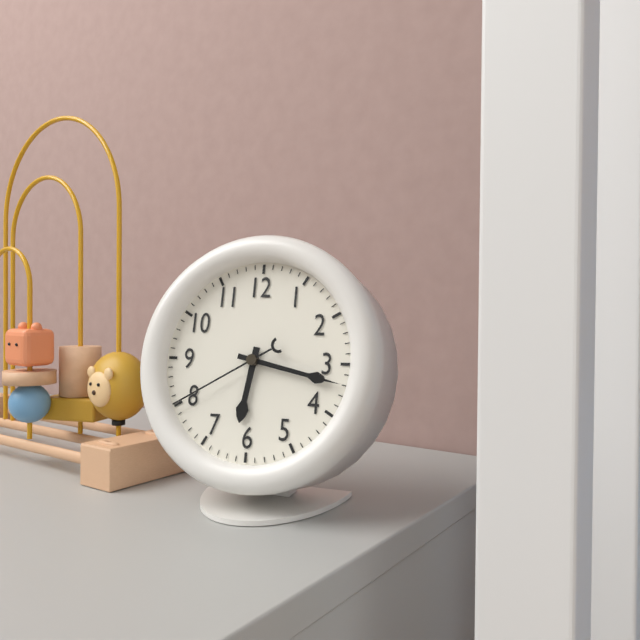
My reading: 6:17:40
